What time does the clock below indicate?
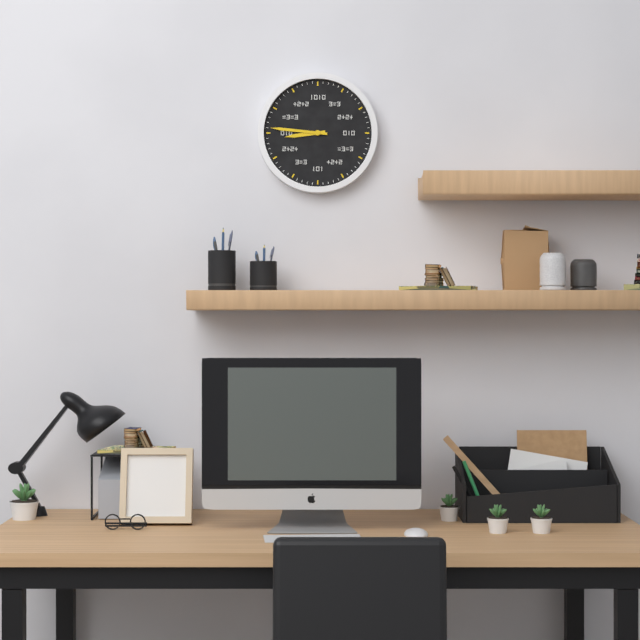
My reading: 8:46
